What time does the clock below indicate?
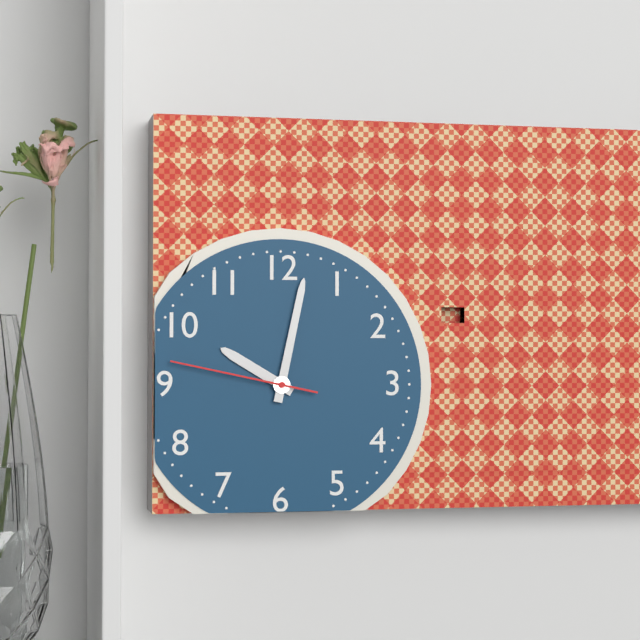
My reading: 10:02:47
